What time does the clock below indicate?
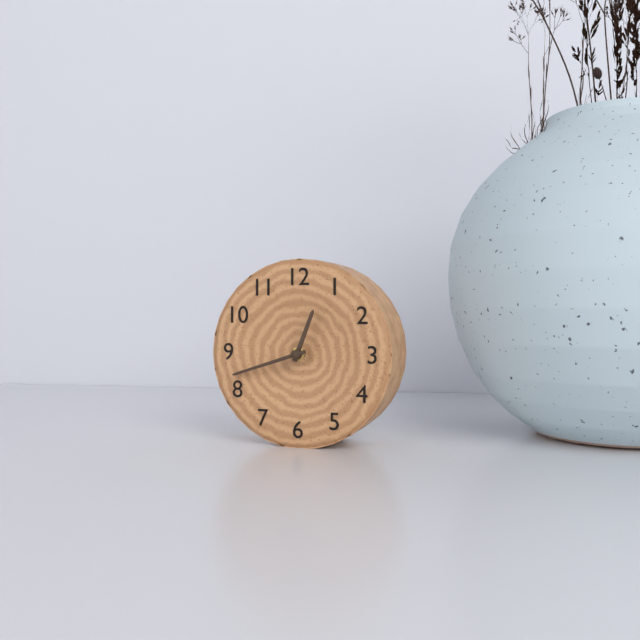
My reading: 12:42
